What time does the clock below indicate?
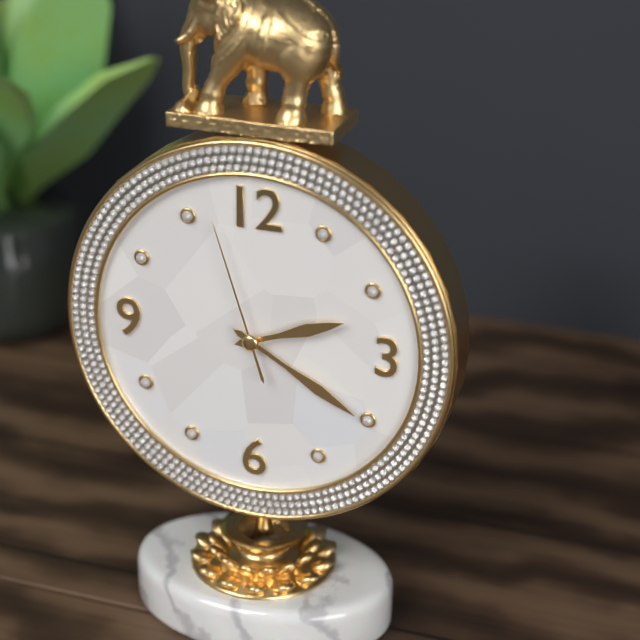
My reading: 2:20:57
